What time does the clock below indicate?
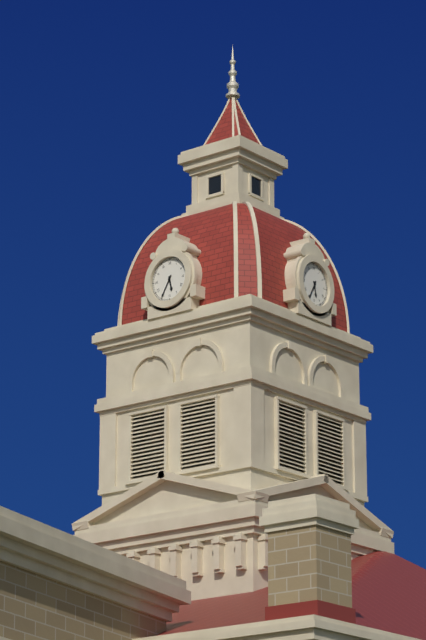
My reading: 5:35
